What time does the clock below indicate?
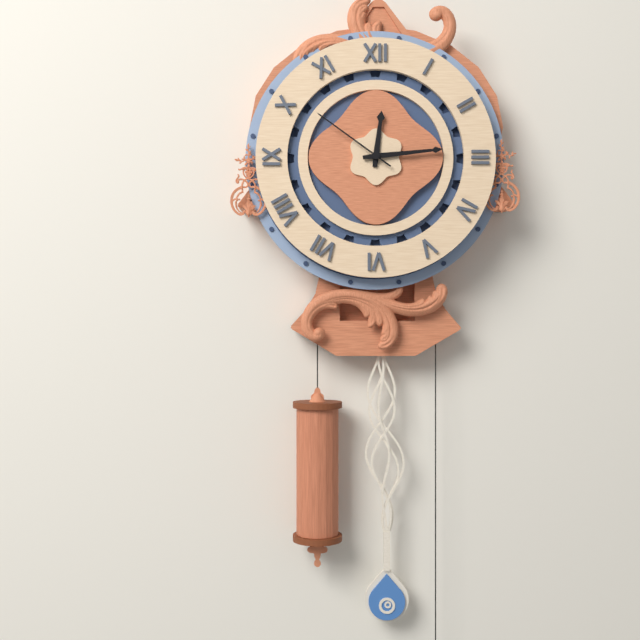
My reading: 12:14:51
